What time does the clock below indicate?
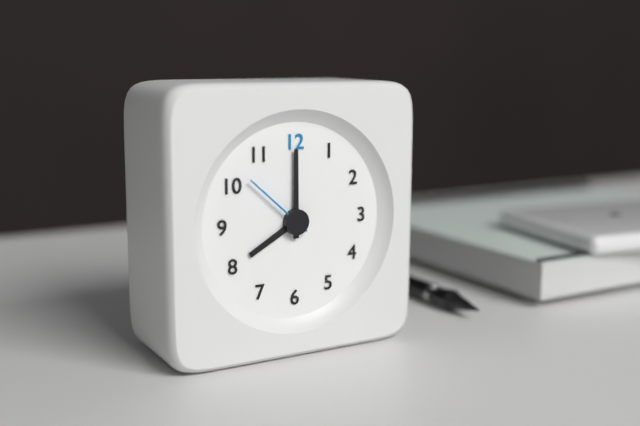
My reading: 8:00:52
